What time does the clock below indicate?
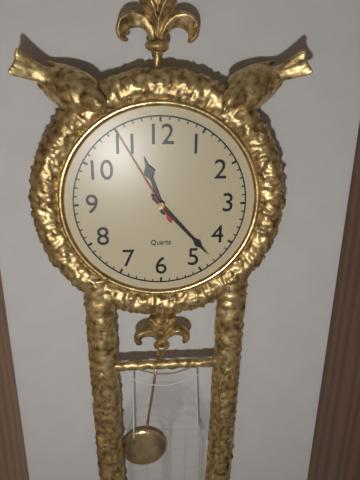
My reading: 11:23:55
